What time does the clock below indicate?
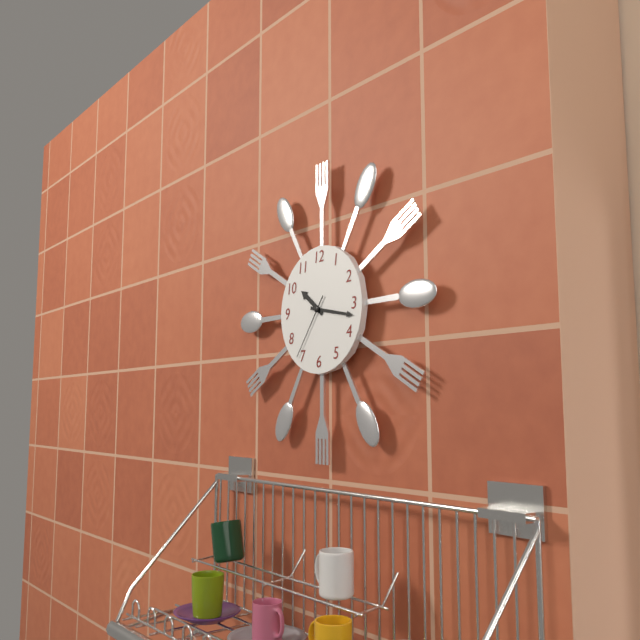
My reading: 10:17:36
